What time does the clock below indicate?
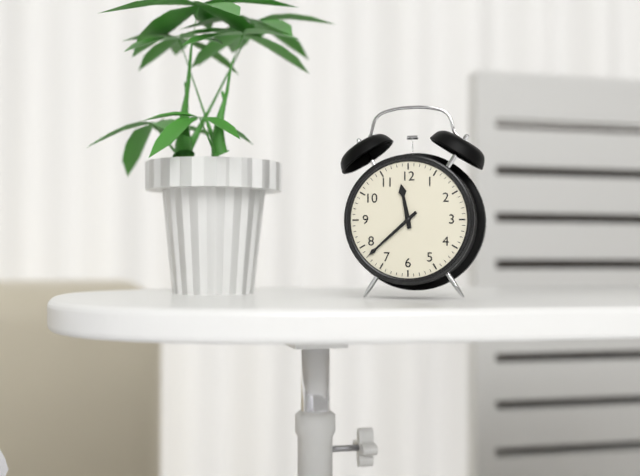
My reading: 11:38
